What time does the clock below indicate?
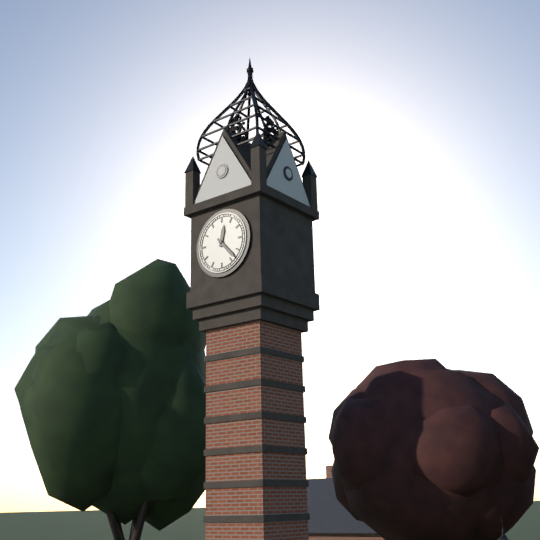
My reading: 12:23
